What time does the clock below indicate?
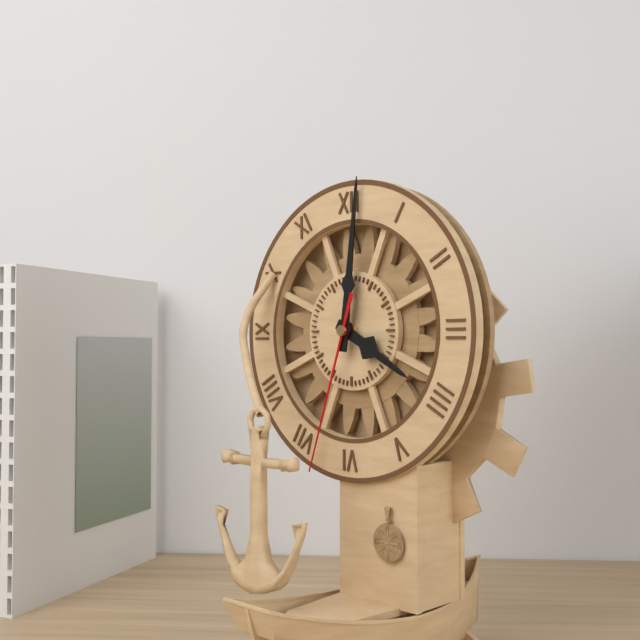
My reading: 4:01:33
